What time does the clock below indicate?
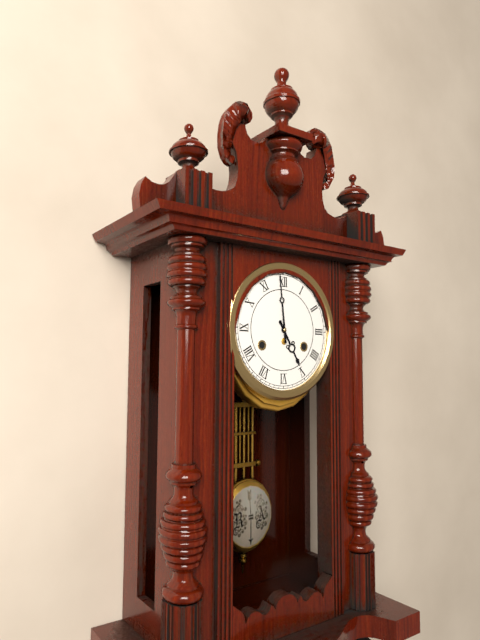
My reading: 4:59
